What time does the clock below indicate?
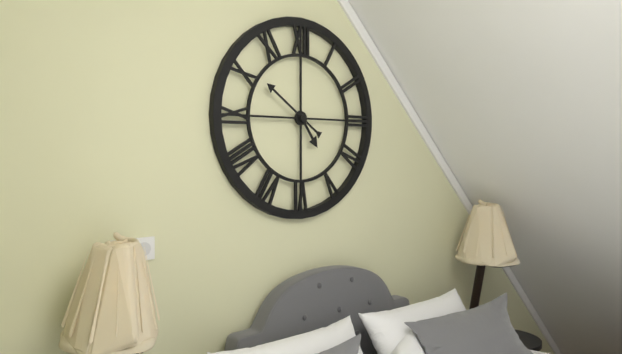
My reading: 4:51
